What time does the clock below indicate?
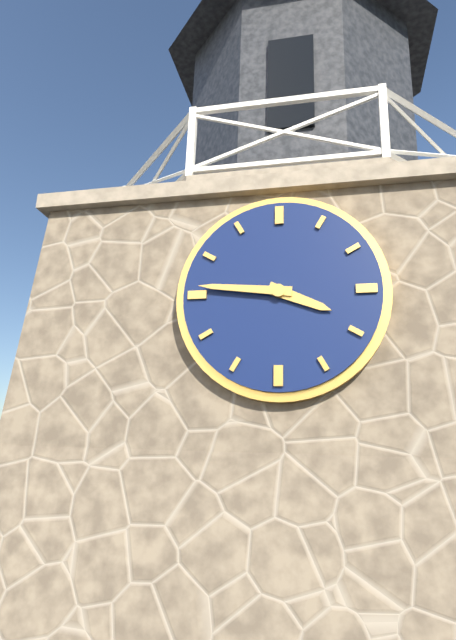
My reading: 3:46
